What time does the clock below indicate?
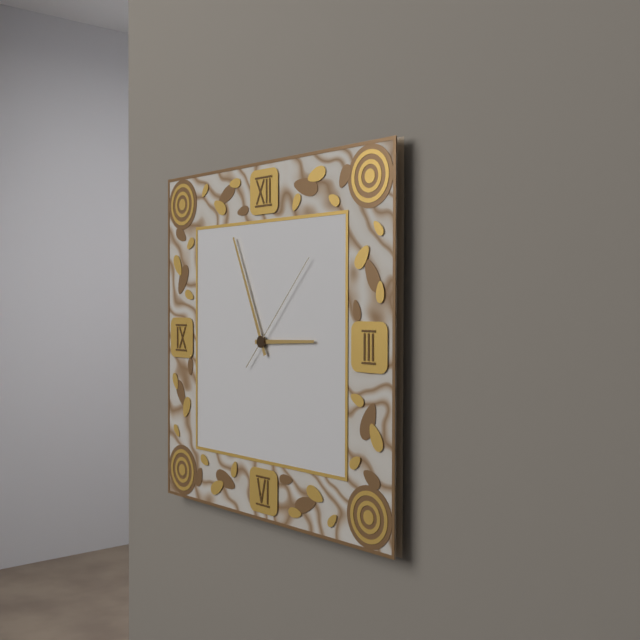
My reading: 2:56:07
